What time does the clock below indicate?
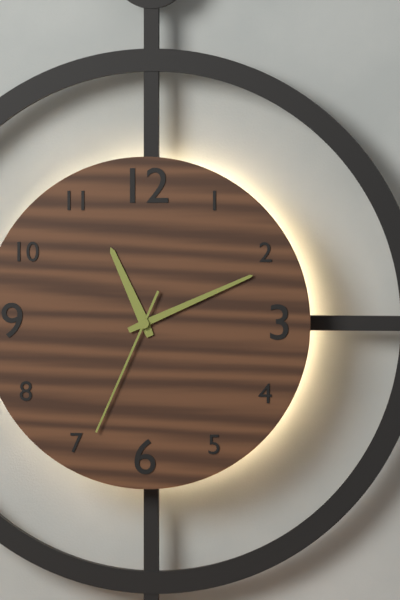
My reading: 11:11:34
